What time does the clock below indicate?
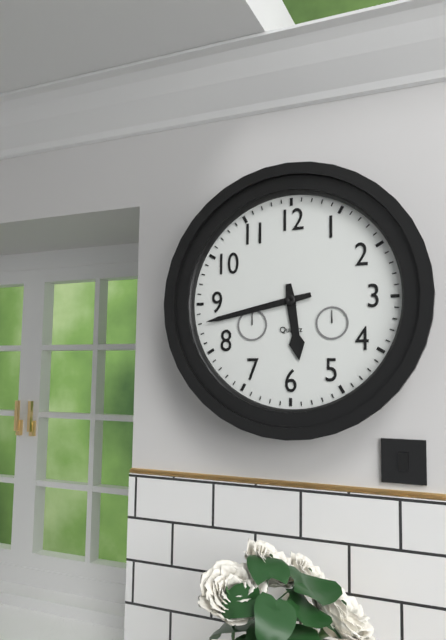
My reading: 5:43
